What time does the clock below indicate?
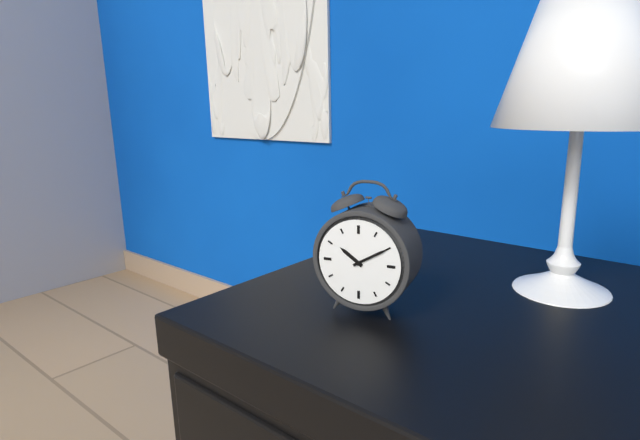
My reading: 10:10
